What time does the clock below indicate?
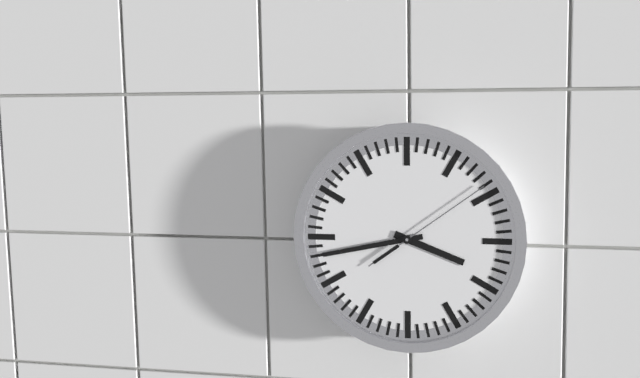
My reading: 3:43:09
